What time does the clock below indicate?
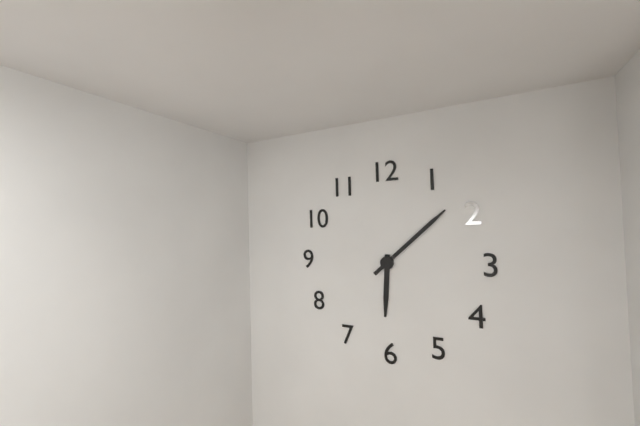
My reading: 6:08
